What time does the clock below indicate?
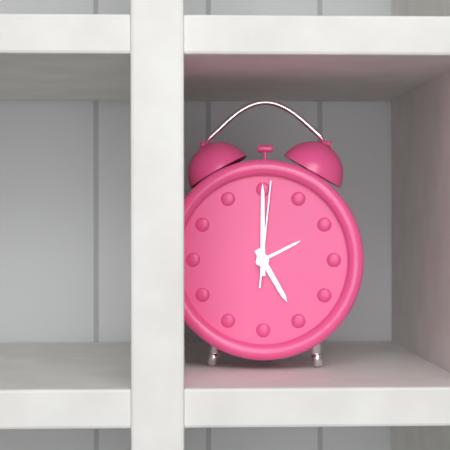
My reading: 5:00:01
